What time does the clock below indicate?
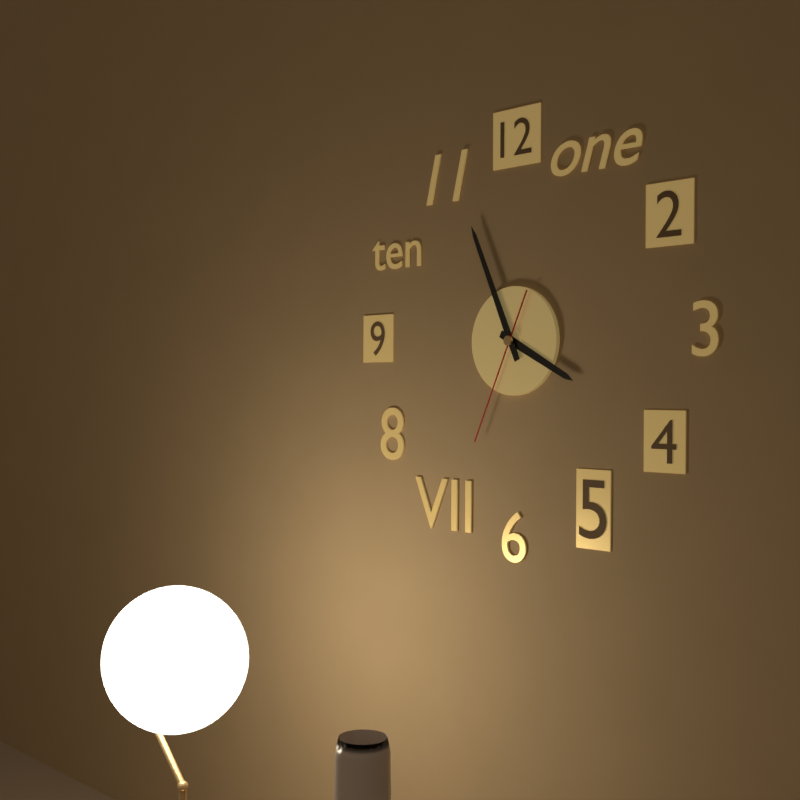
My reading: 3:56:34
